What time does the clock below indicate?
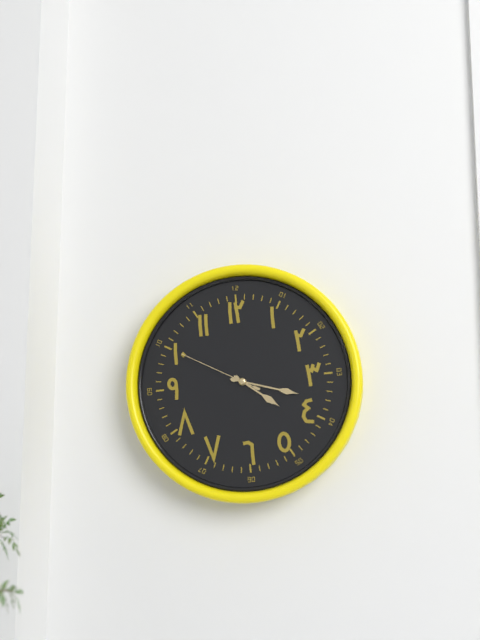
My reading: 4:18:50
